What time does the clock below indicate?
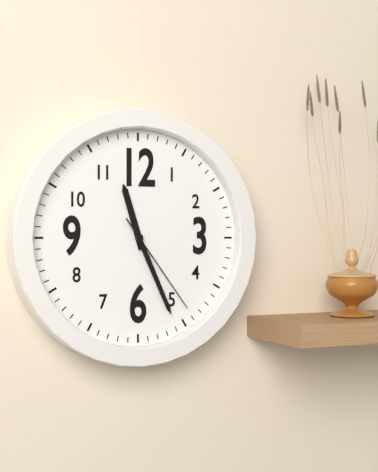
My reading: 11:26:24
